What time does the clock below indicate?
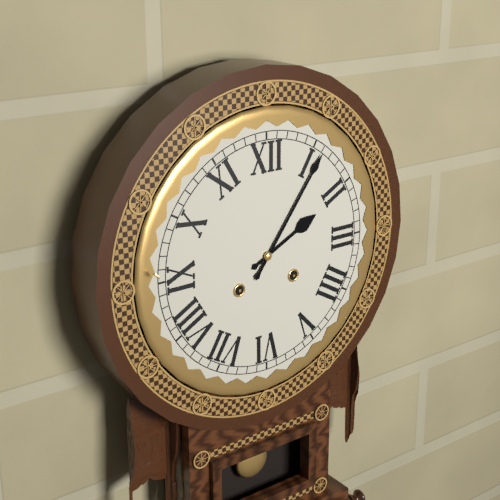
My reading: 2:06
